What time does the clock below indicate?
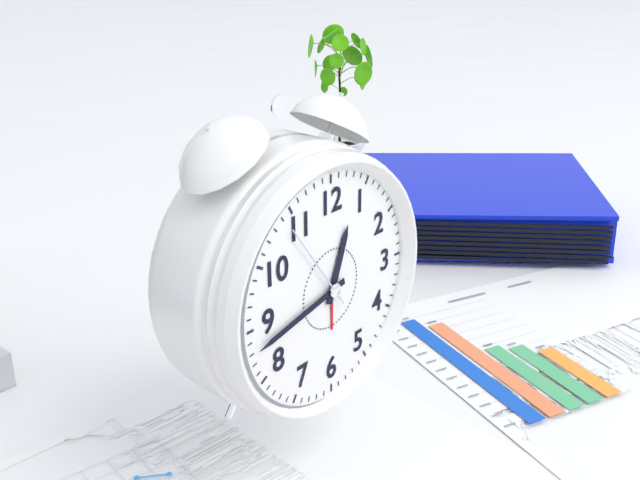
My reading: 12:43:54
